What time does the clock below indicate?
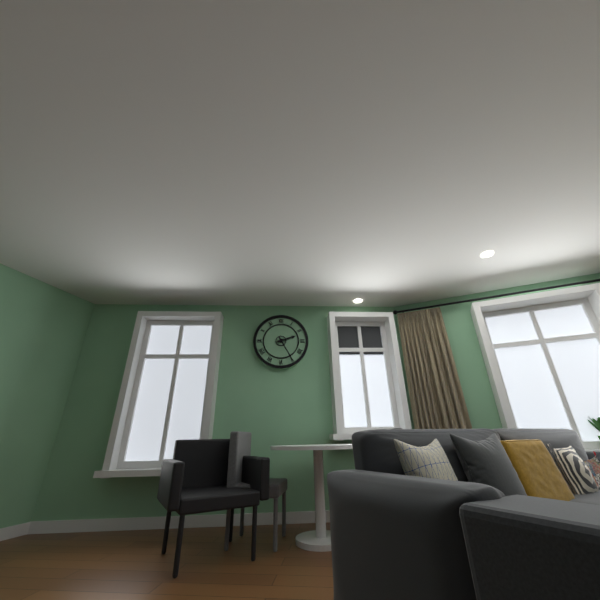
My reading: 2:25
